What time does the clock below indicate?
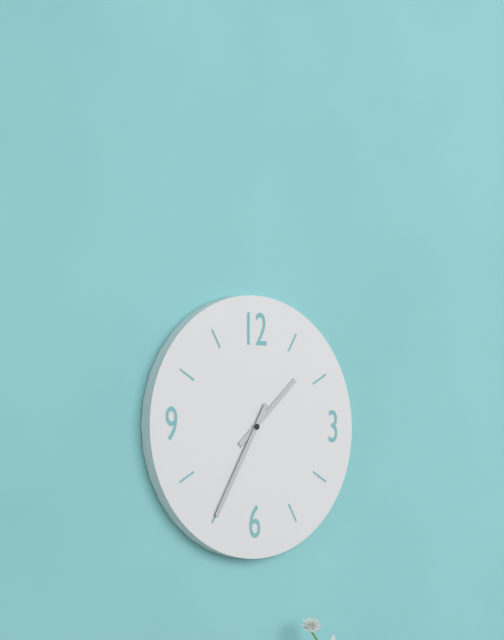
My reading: 1:35
